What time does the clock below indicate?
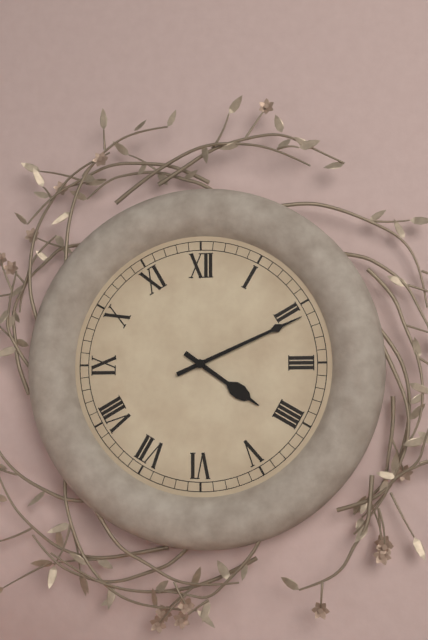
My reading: 4:11
